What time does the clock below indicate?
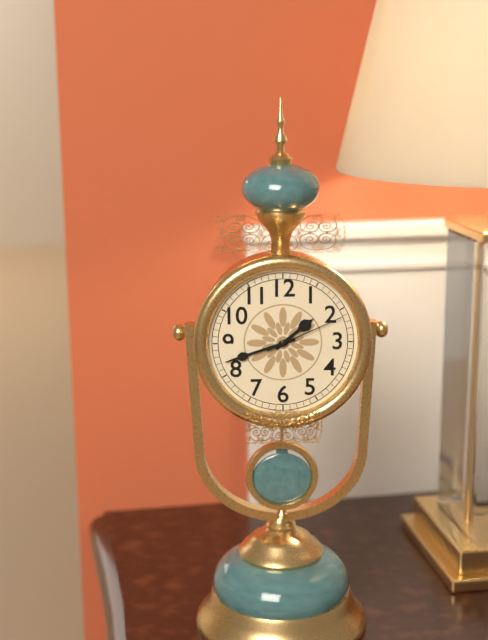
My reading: 1:42:11
